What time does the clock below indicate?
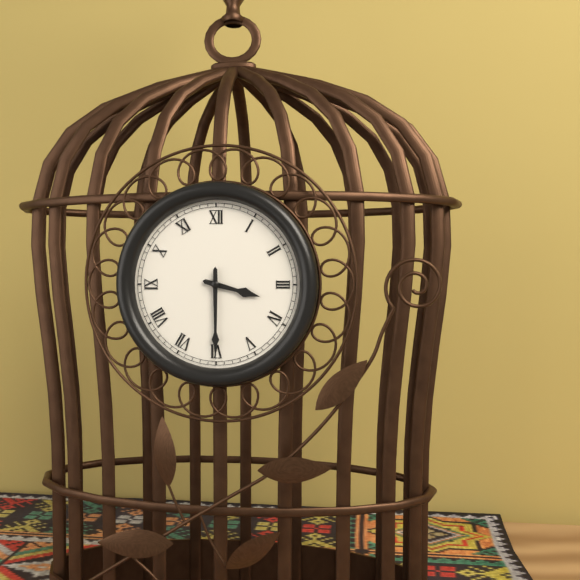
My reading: 3:30
